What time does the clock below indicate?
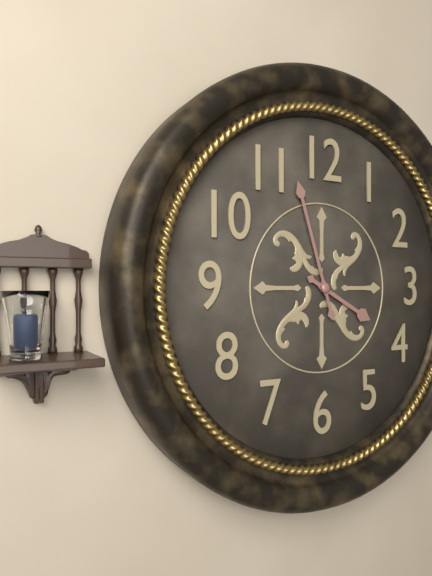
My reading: 3:57
